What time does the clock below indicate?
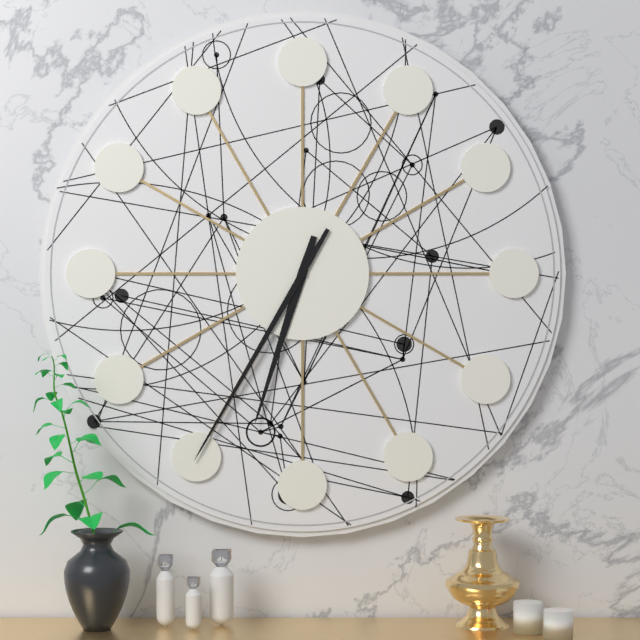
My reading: 6:35
